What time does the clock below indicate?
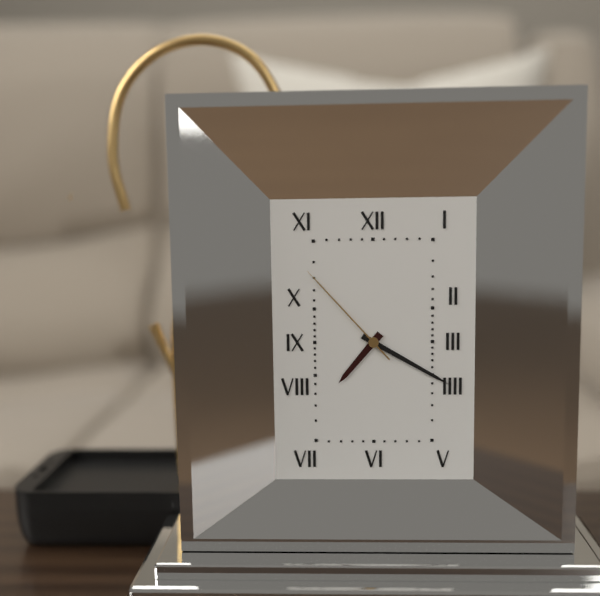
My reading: 7:20:53
